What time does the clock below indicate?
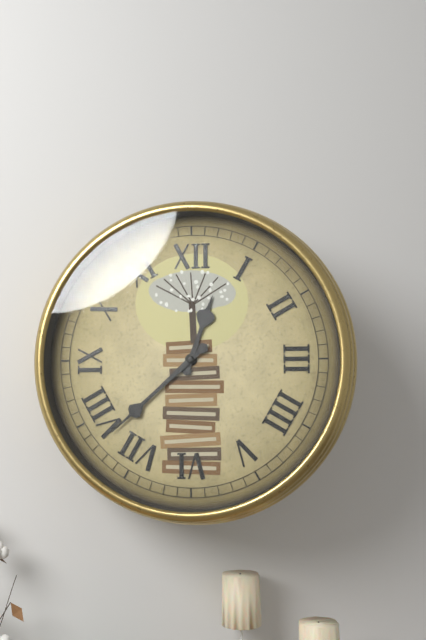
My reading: 12:38
